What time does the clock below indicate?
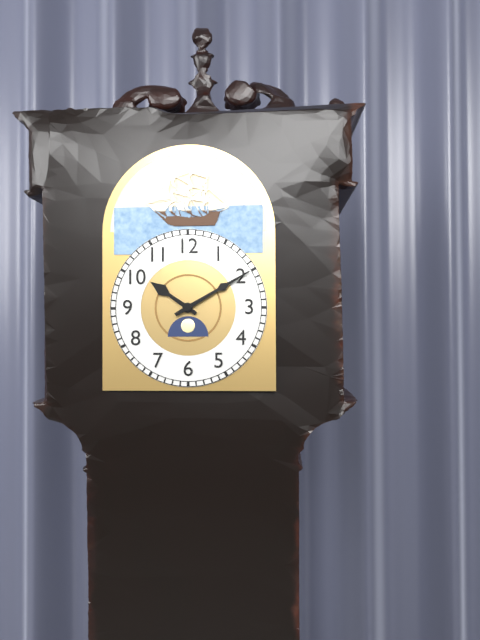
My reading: 10:10
